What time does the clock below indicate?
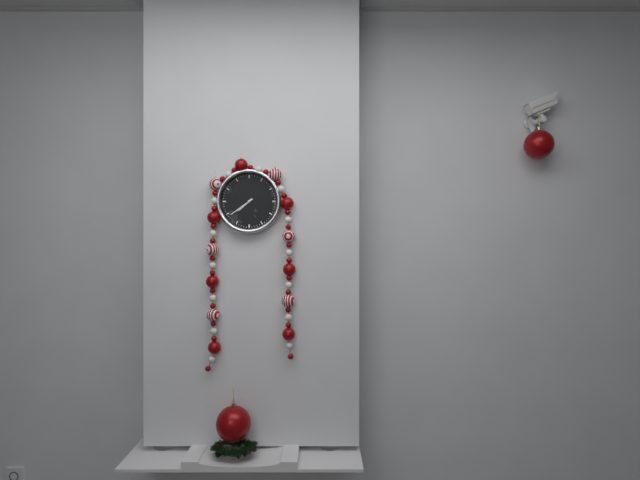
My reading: 7:39
